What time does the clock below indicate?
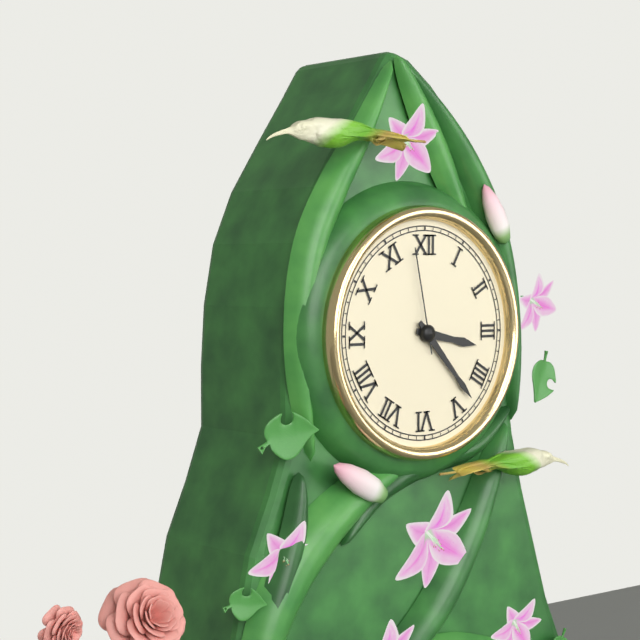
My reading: 3:23:58
